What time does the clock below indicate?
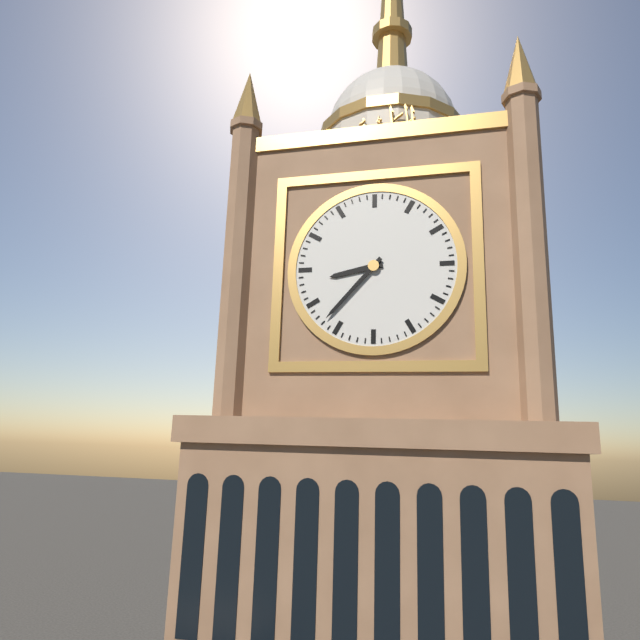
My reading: 8:37
